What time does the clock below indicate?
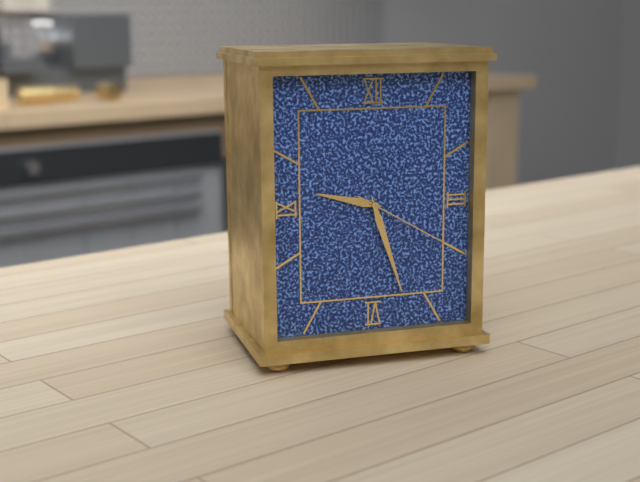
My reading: 9:27:20
